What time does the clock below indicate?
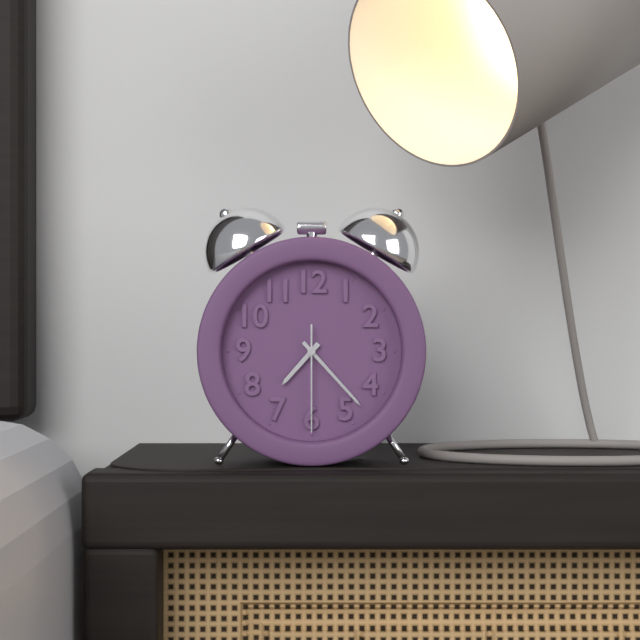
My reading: 7:23:30
